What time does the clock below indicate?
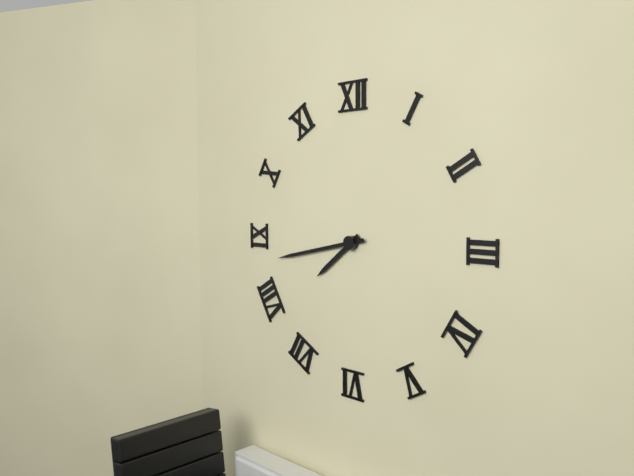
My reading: 7:43
